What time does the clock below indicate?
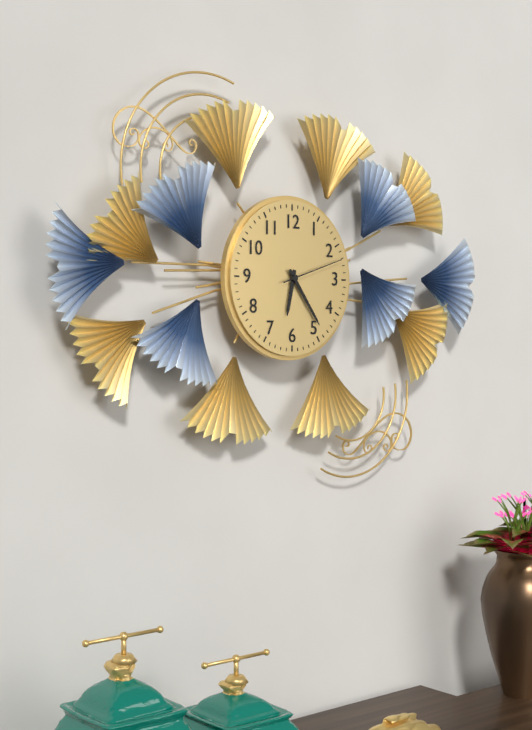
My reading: 6:24:12
